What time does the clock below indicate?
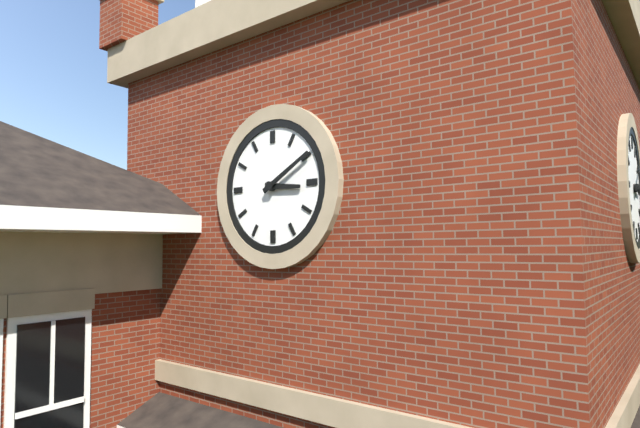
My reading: 3:10
